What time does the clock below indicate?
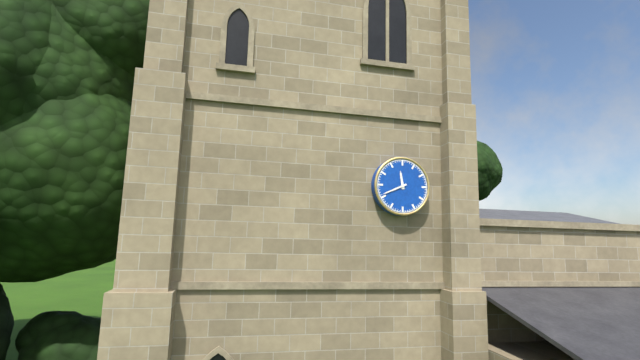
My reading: 11:41
